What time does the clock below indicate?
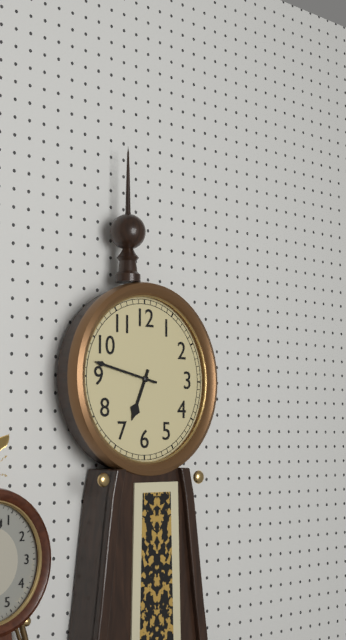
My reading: 6:47
